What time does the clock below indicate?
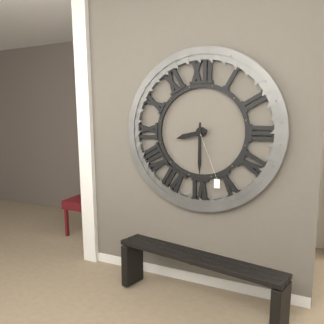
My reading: 8:30
